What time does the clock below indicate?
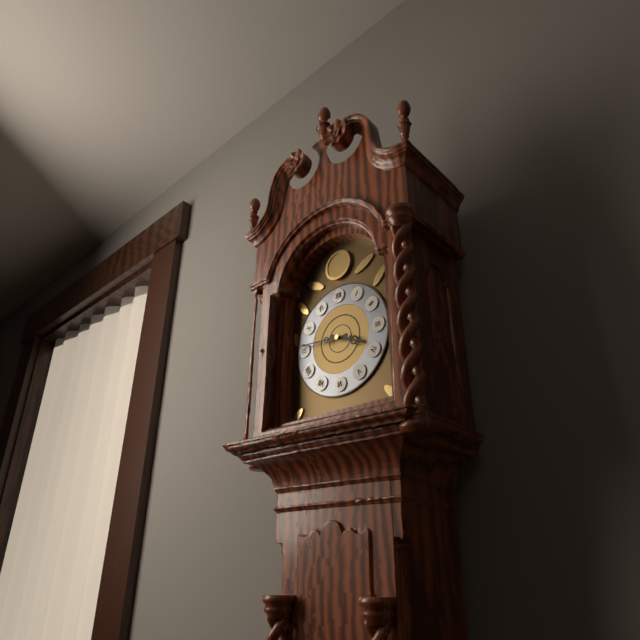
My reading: 3:46
